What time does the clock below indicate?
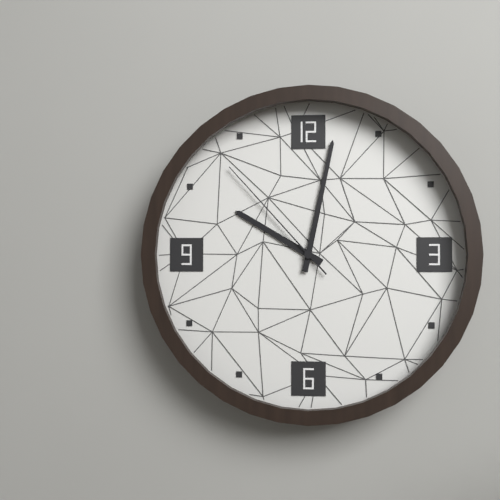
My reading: 10:02:53
